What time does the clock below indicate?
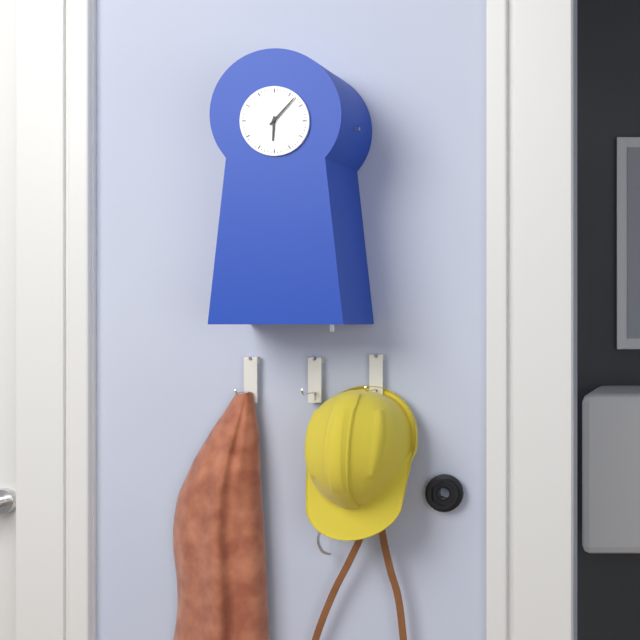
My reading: 6:07
